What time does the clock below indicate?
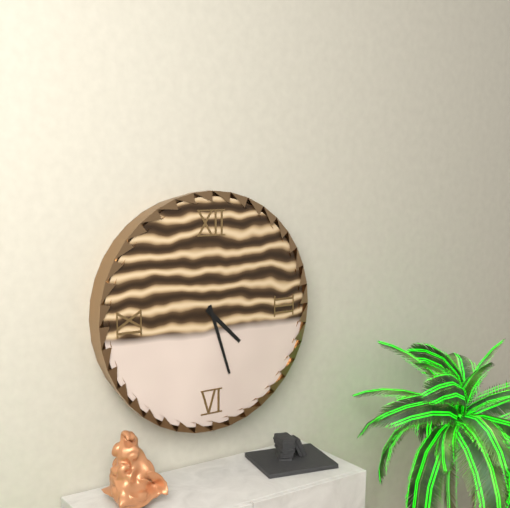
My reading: 4:27
